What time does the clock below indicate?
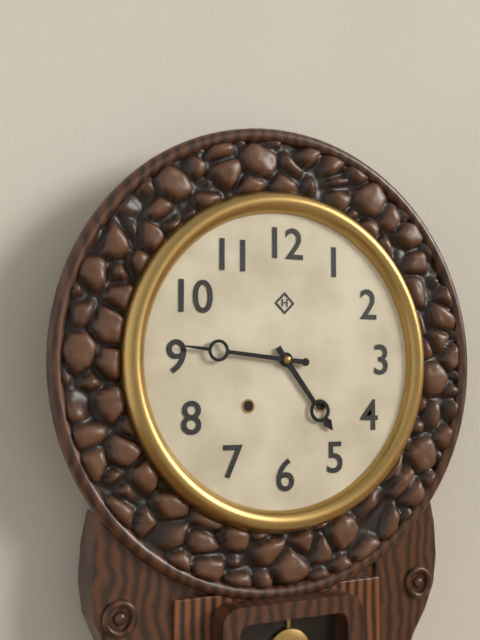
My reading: 4:46
